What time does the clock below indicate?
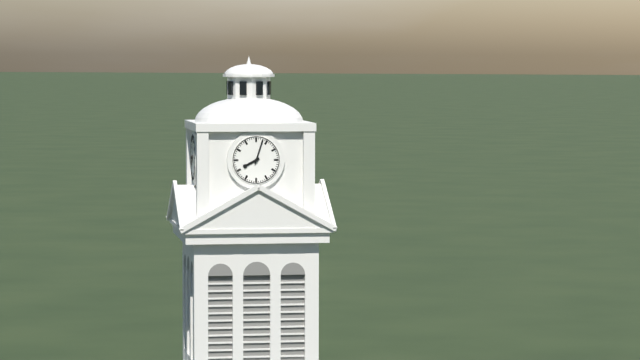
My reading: 8:03
